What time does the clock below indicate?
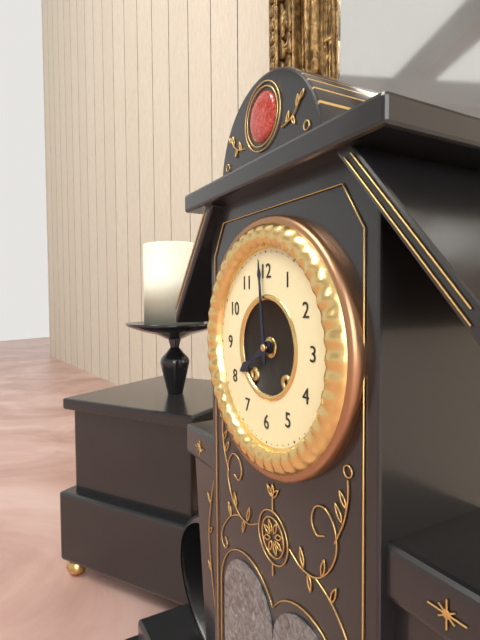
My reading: 7:59
